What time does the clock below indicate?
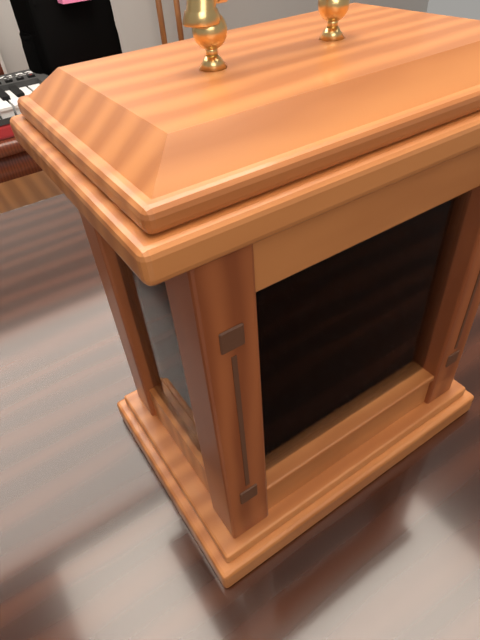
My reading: 8:01
